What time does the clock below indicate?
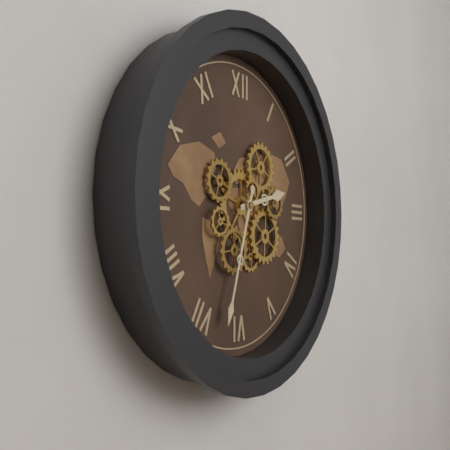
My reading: 2:33
